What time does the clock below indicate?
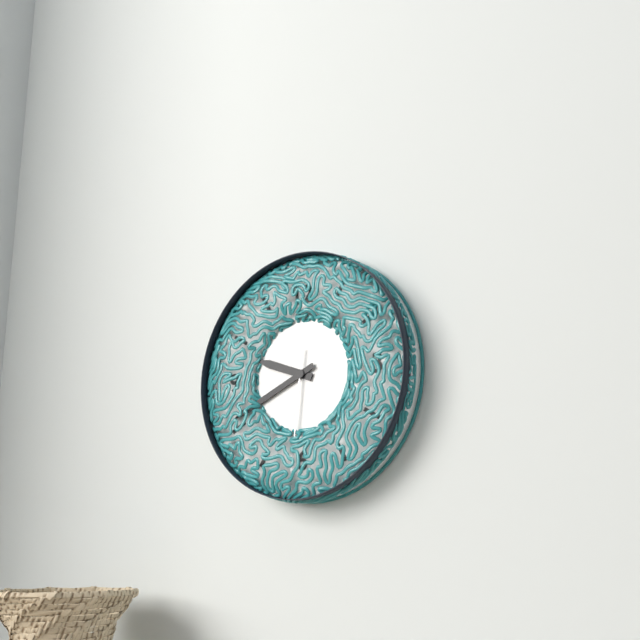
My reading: 9:41
